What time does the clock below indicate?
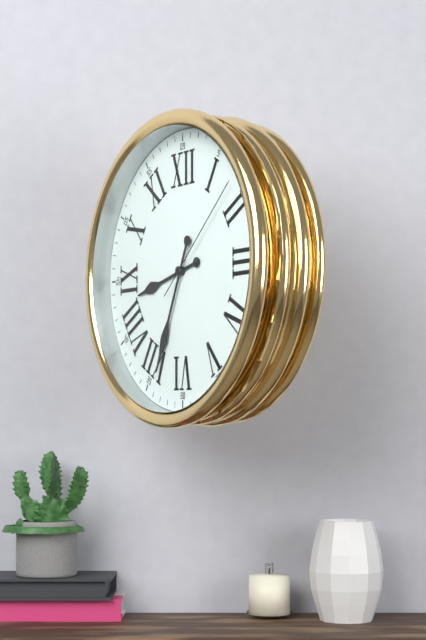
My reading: 8:34:08
